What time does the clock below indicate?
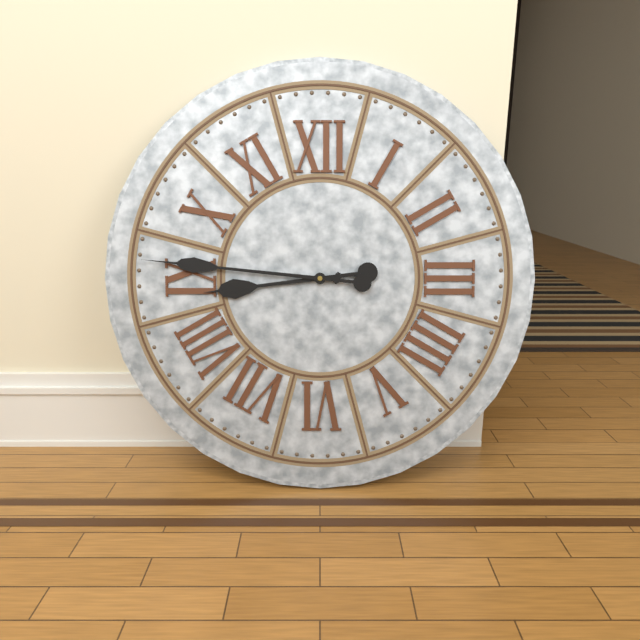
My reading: 8:46
